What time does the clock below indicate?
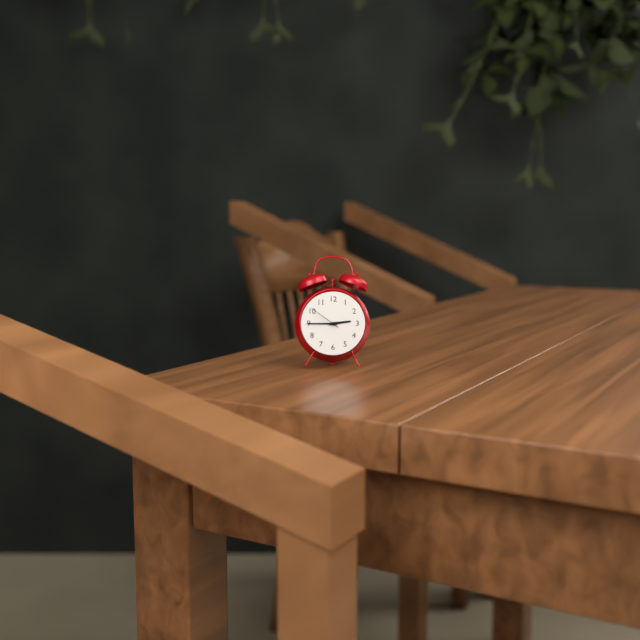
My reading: 2:45
